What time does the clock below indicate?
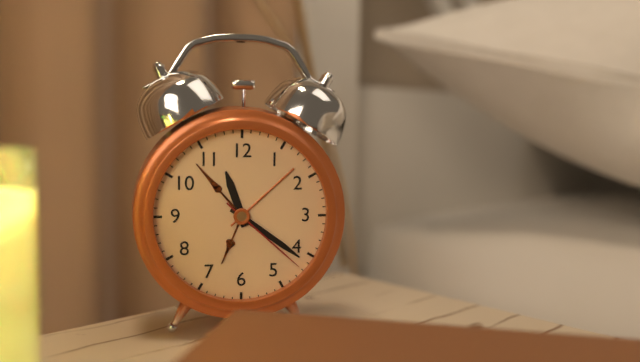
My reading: 11:21:22
